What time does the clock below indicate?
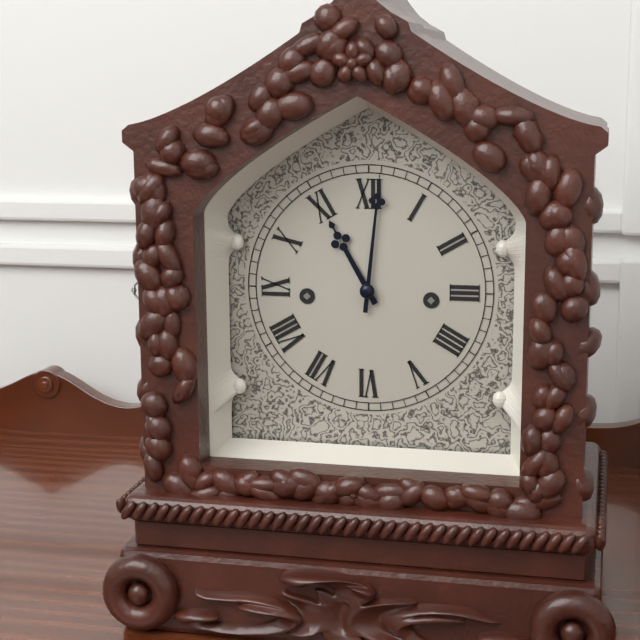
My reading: 11:01
